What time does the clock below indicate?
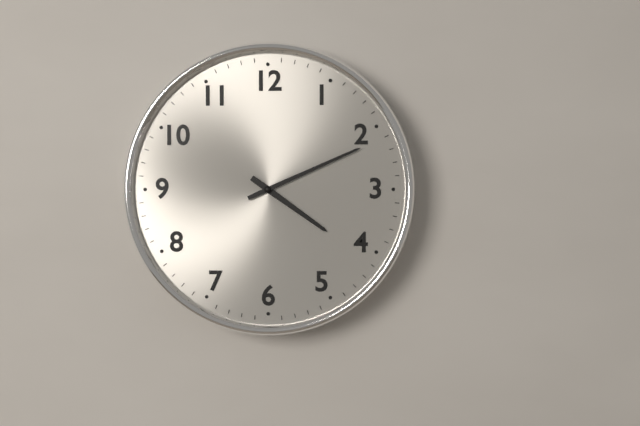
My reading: 4:11
